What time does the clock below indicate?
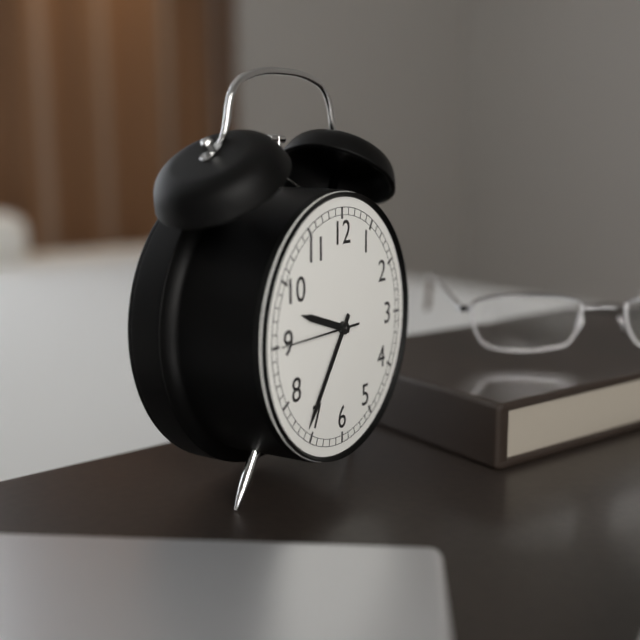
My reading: 9:36:45
